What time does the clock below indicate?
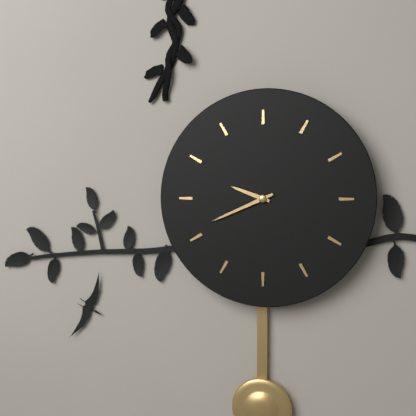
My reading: 9:41
